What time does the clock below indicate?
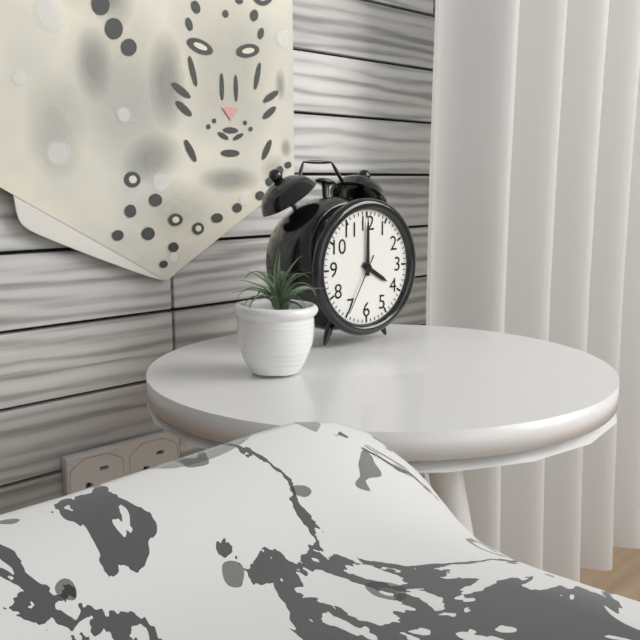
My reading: 4:00:35
